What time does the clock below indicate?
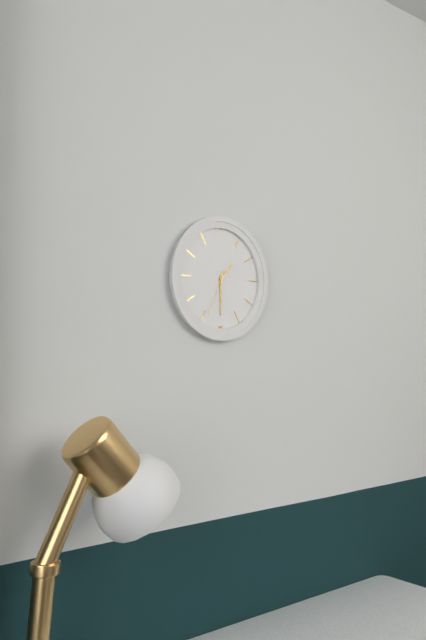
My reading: 1:30
